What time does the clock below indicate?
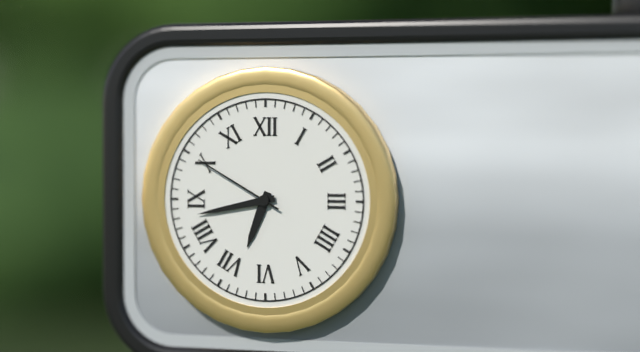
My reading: 6:43:50
